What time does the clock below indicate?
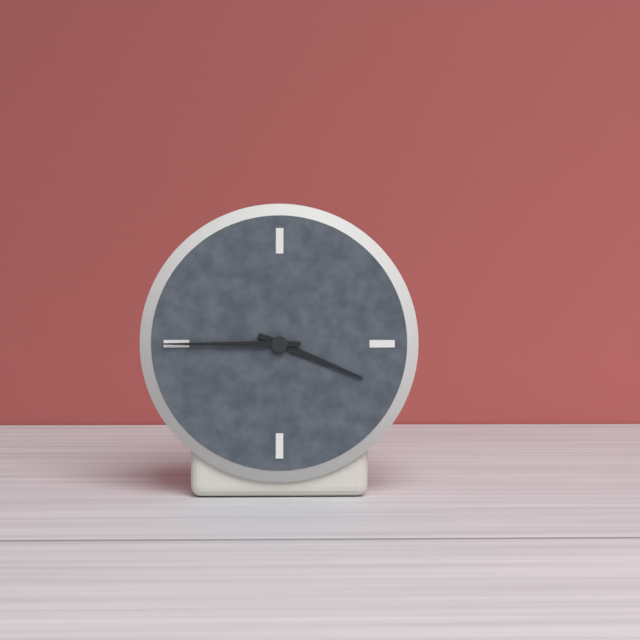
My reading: 3:45
